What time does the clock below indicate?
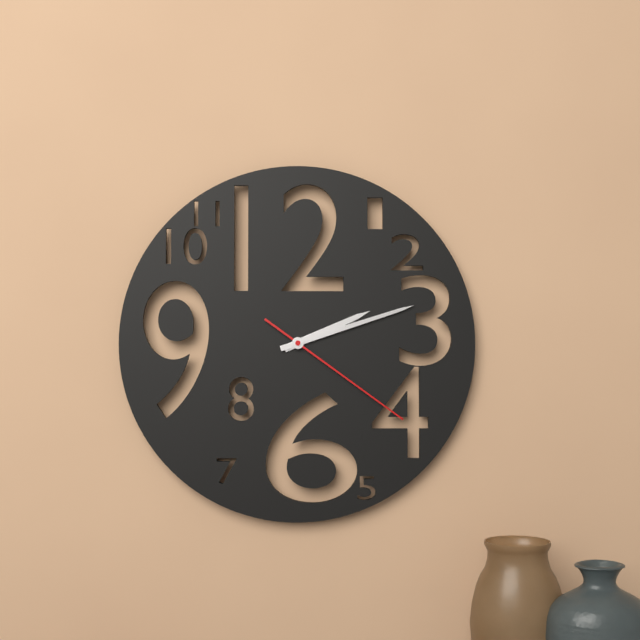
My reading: 2:12:21
